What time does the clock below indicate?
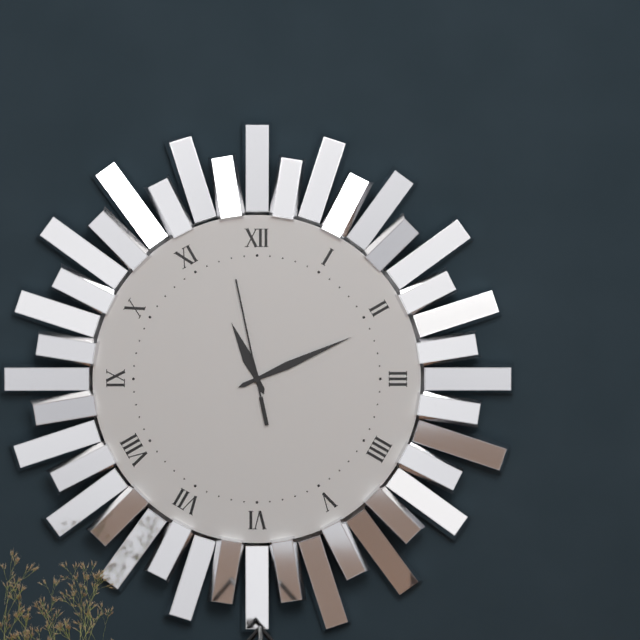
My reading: 11:11:58
